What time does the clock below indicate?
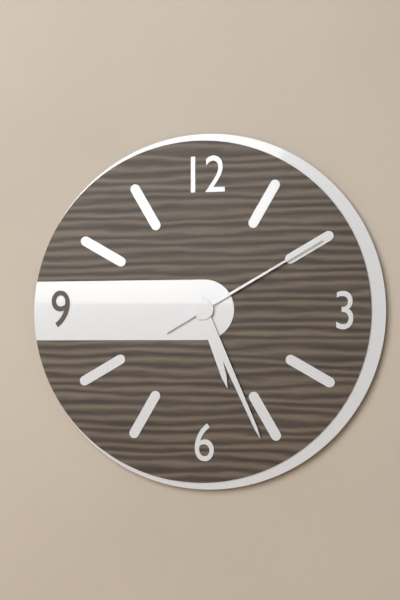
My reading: 5:26:10
